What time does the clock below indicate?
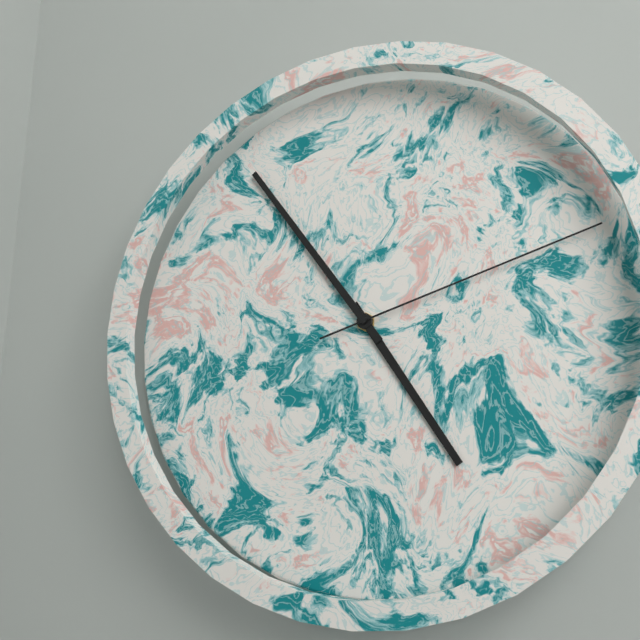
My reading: 4:54:12
